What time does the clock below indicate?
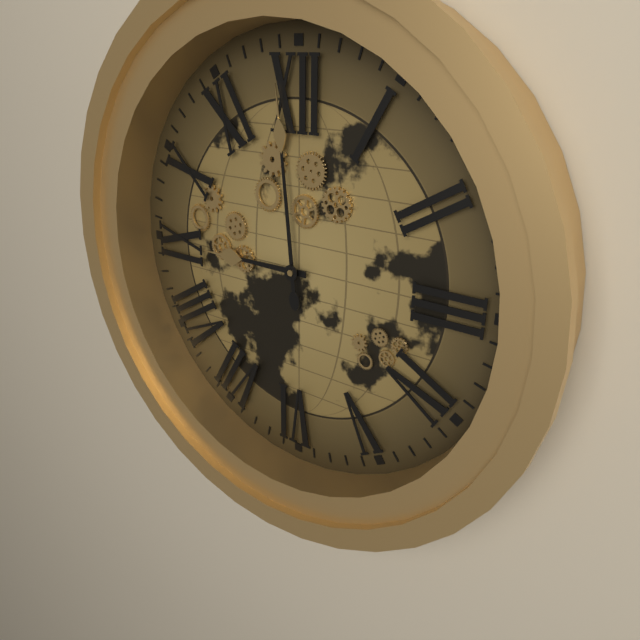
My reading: 8:59
